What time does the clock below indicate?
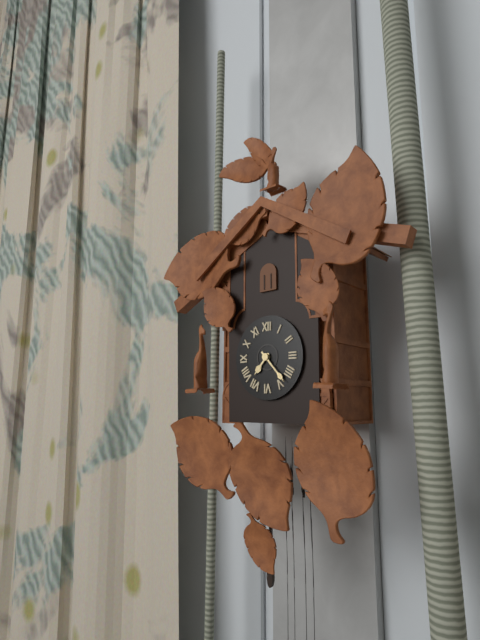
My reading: 7:23
